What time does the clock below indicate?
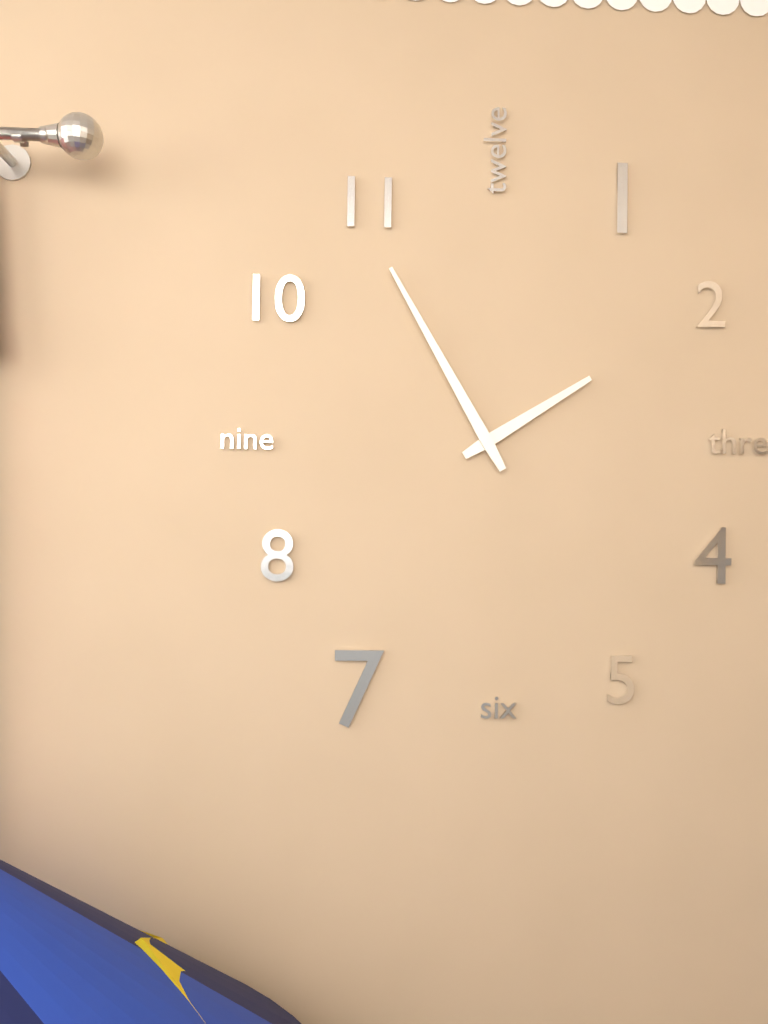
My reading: 1:55
